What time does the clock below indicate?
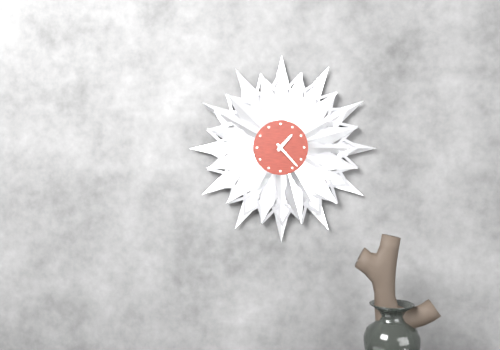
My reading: 1:23
